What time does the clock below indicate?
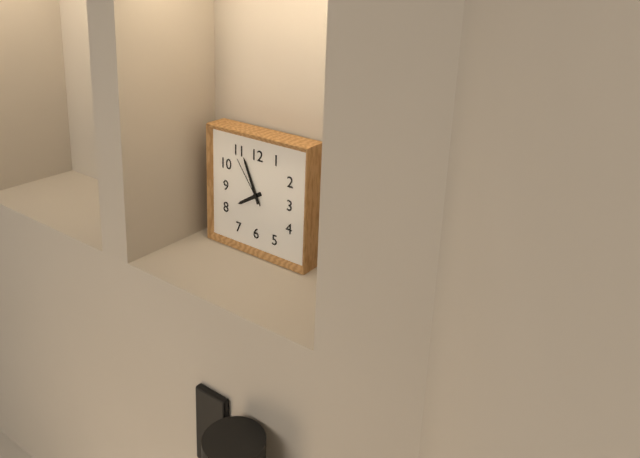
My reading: 7:56:54
